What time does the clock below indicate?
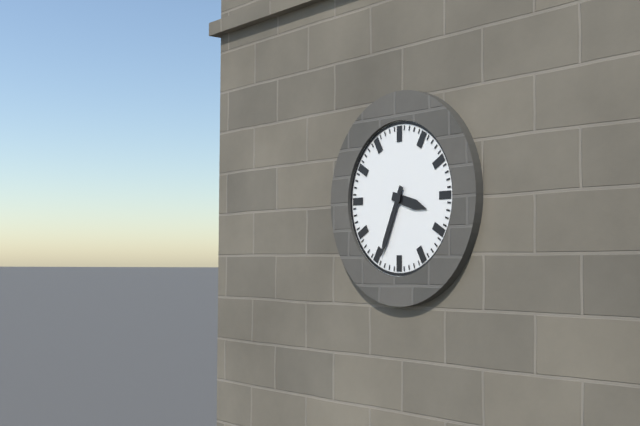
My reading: 3:34
